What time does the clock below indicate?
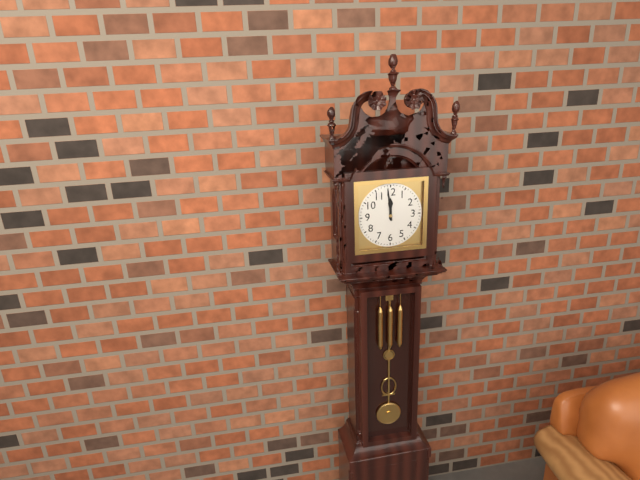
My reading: 11:59
